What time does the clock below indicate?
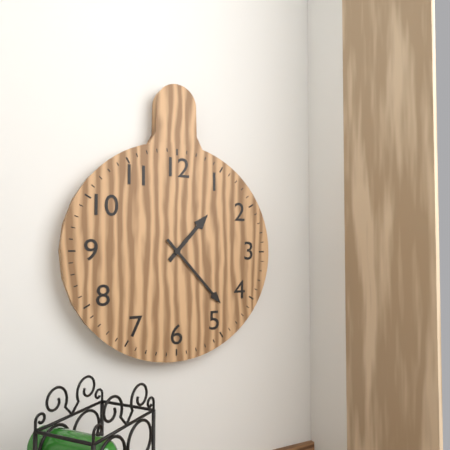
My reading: 1:23
